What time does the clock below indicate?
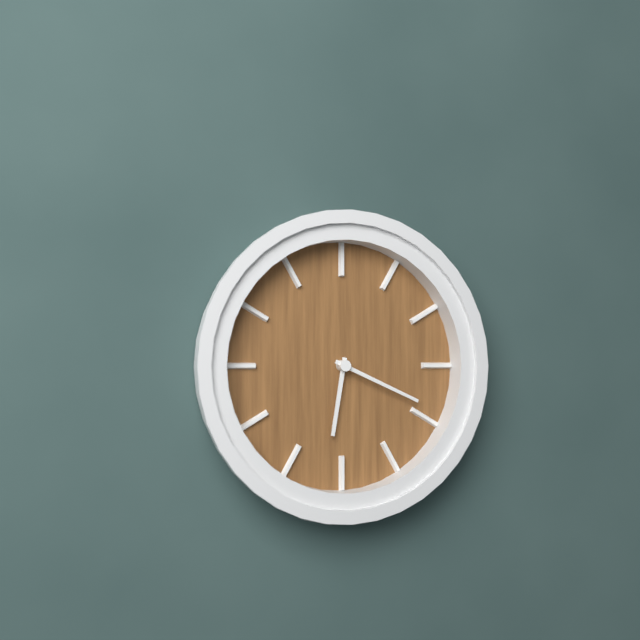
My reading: 6:19
